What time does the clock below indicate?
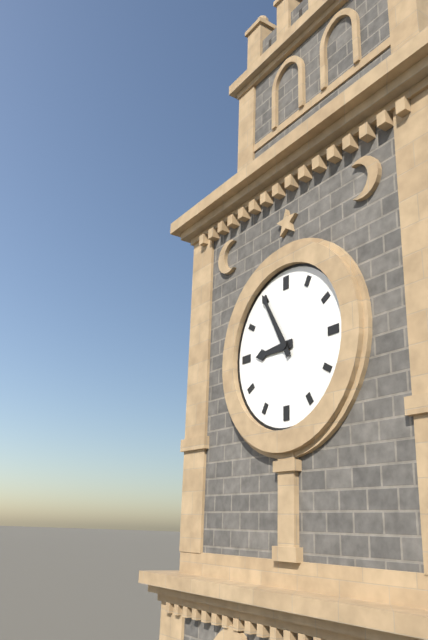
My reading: 8:55
